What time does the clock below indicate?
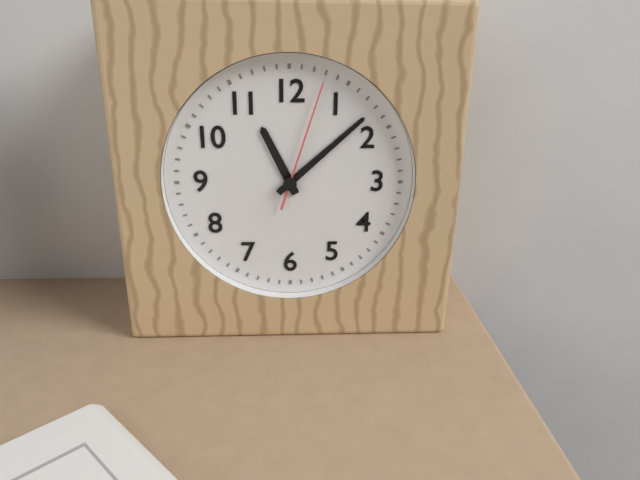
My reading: 11:08:03
